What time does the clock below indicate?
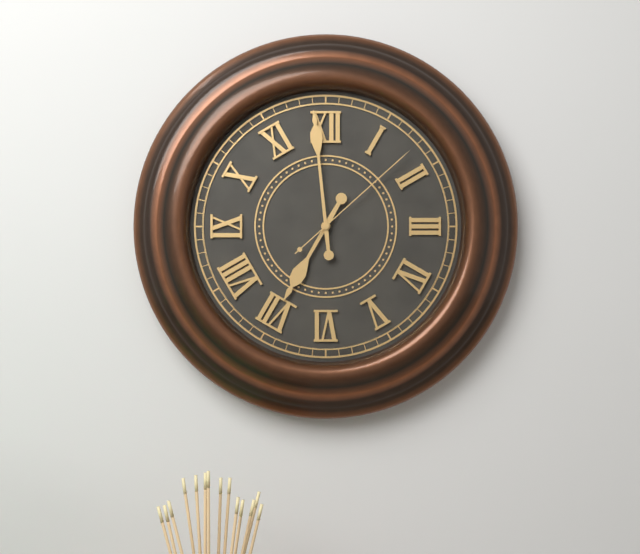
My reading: 6:59:08
